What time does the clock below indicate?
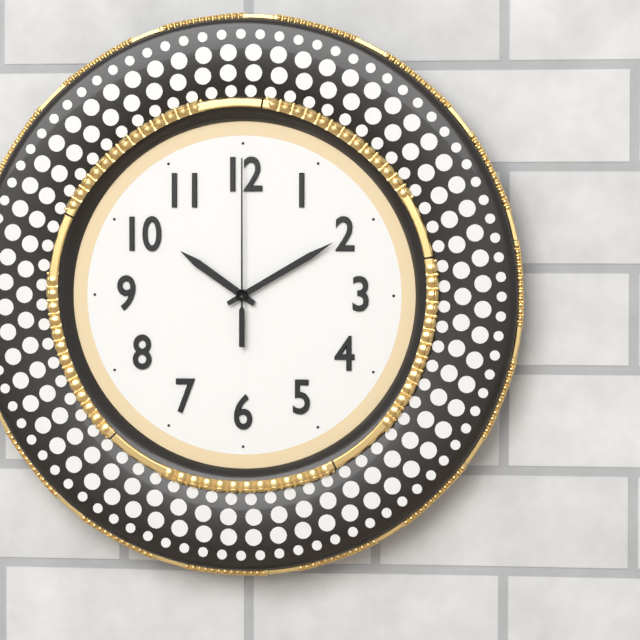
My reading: 10:10:00
